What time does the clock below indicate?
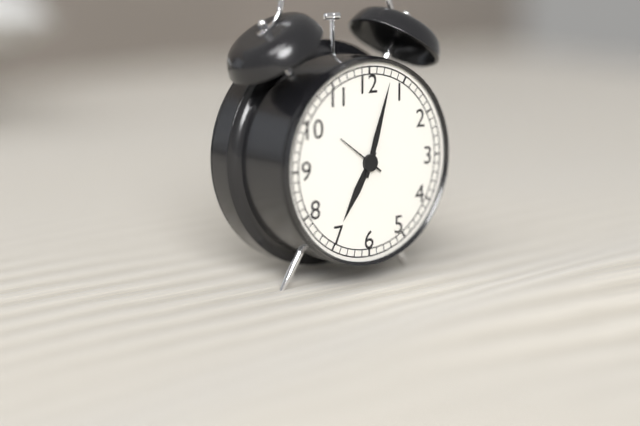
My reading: 7:03
